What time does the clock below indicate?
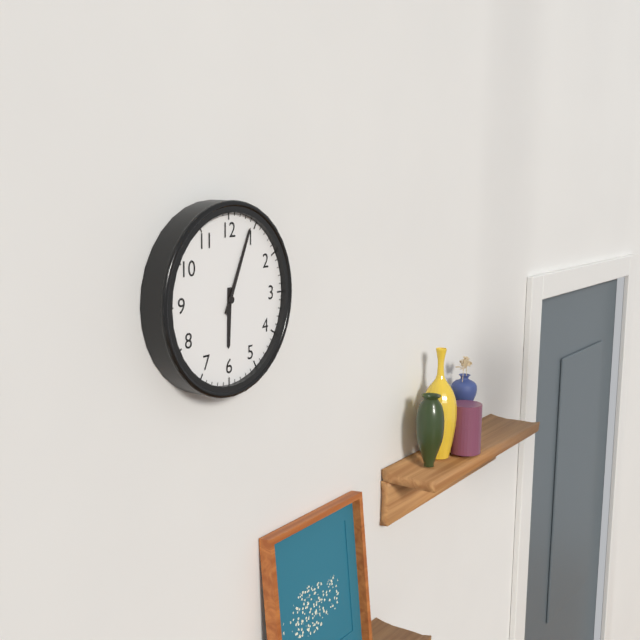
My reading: 6:04
